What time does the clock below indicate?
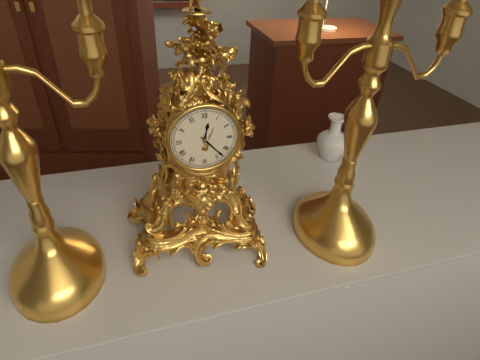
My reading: 12:23
